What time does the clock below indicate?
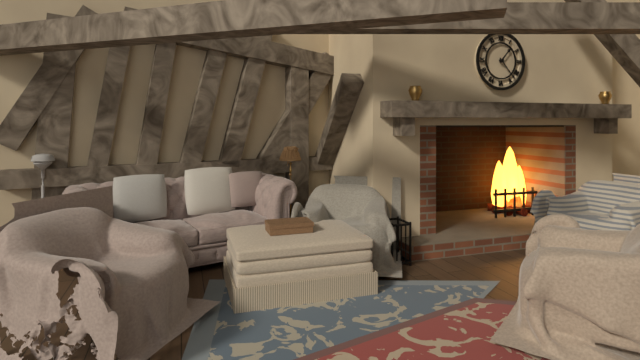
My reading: 1:23
